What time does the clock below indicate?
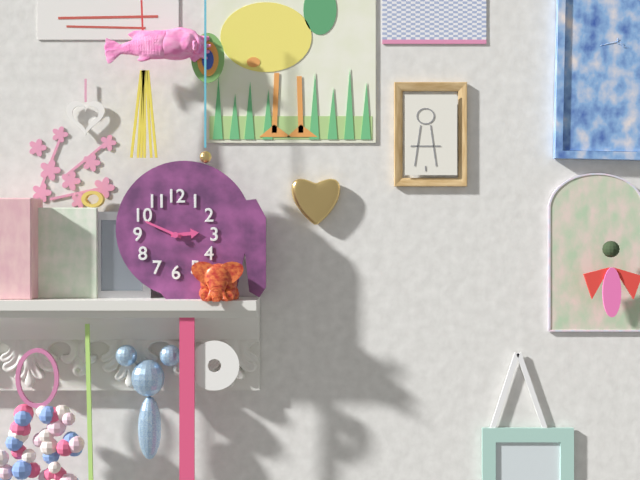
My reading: 2:49
